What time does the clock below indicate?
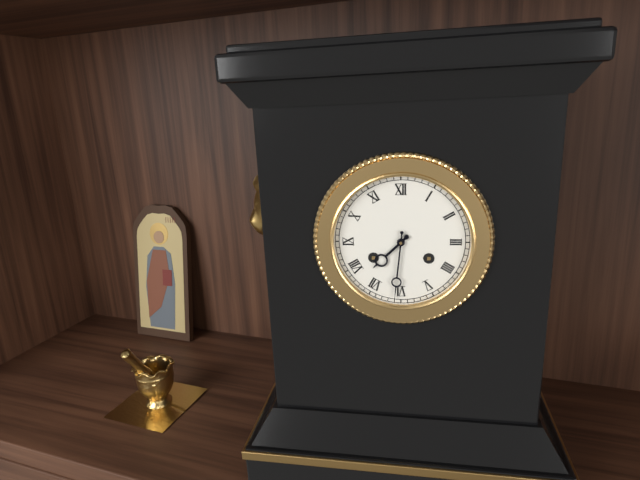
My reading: 7:31
